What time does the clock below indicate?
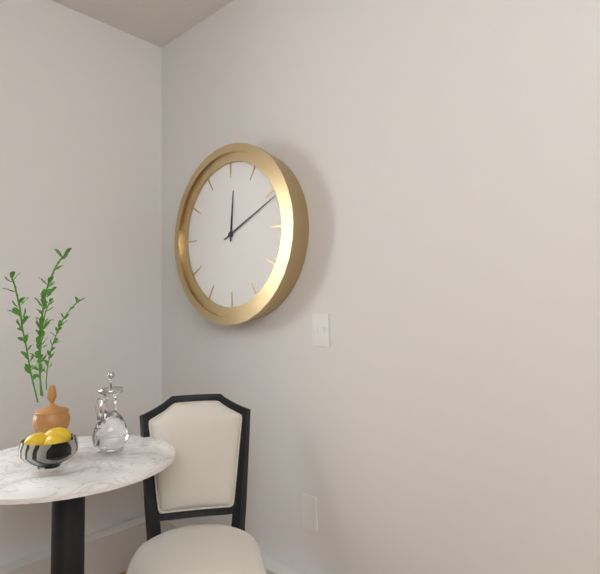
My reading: 12:11
